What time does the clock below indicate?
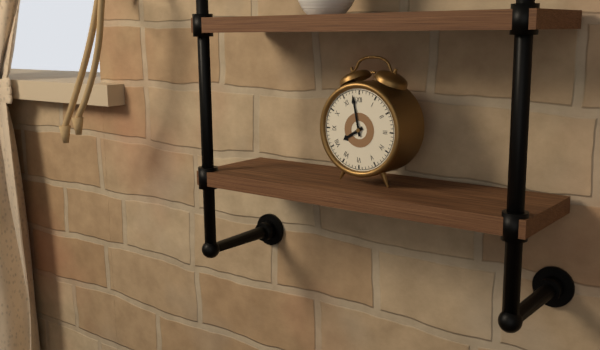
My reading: 7:58
